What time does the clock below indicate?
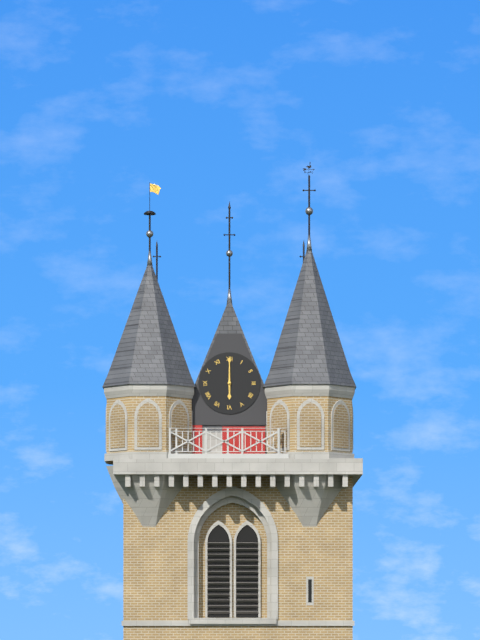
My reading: 6:00
